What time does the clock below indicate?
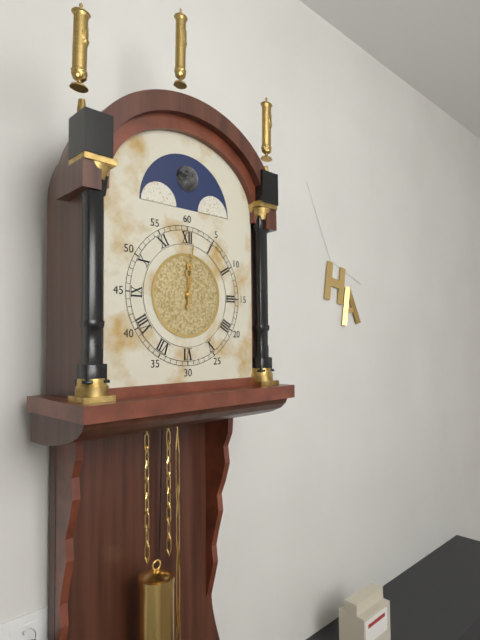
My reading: 12:01
